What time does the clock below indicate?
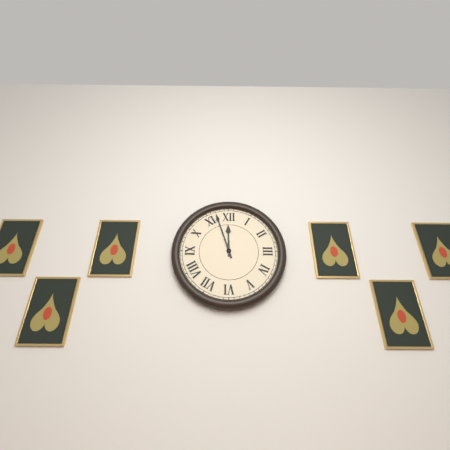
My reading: 11:57
